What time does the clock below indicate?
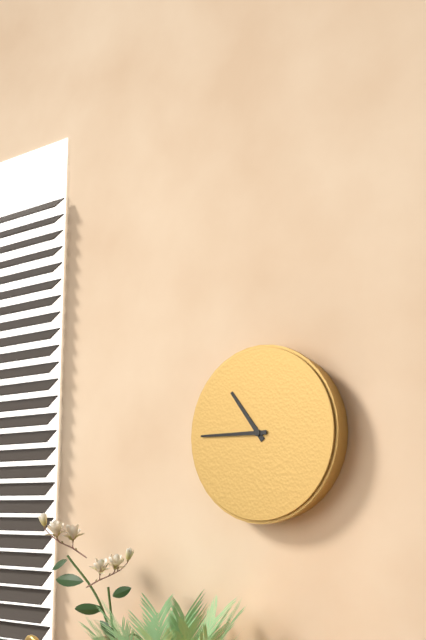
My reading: 10:45
